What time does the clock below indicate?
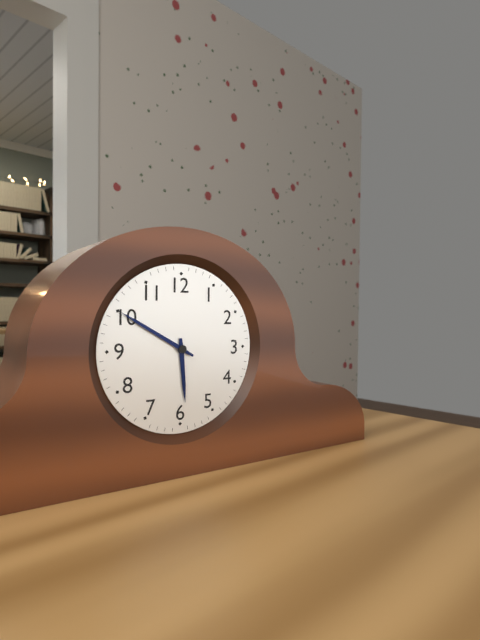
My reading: 5:50
